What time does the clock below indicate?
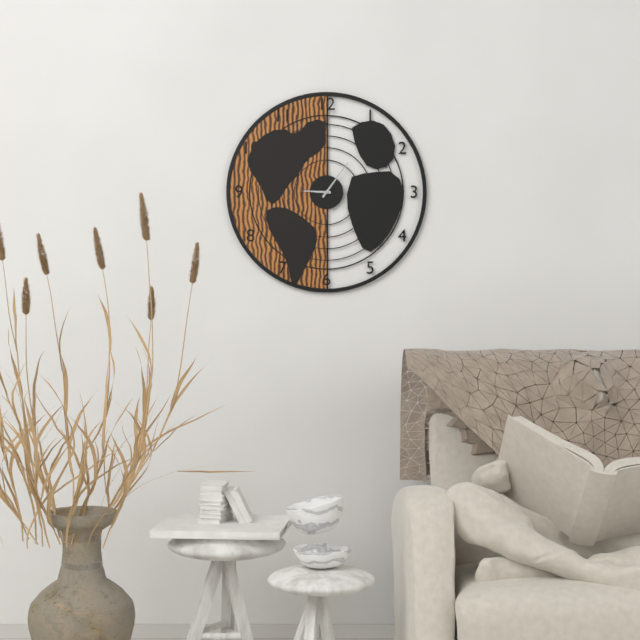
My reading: 9:06
